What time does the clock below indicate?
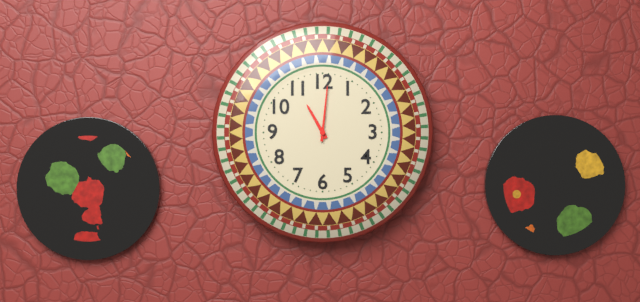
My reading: 11:01
